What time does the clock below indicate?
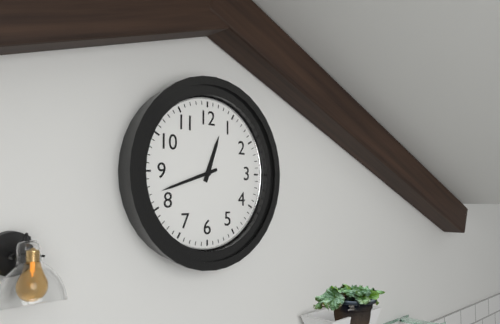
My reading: 12:42
